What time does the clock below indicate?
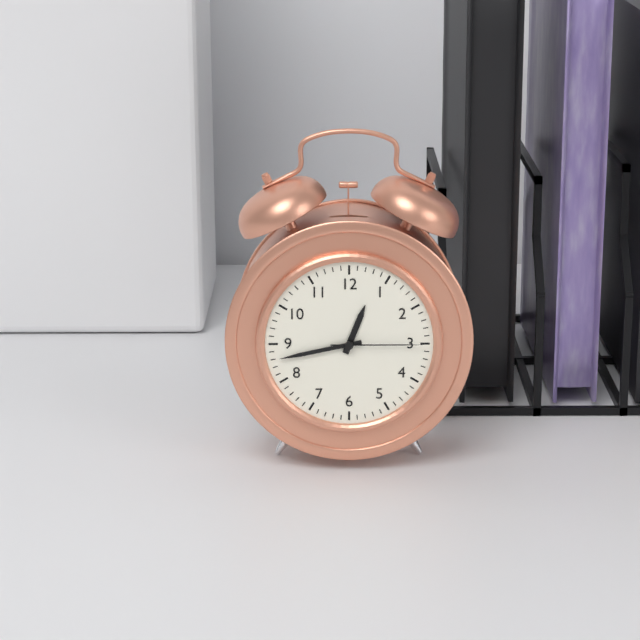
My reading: 12:43:15
